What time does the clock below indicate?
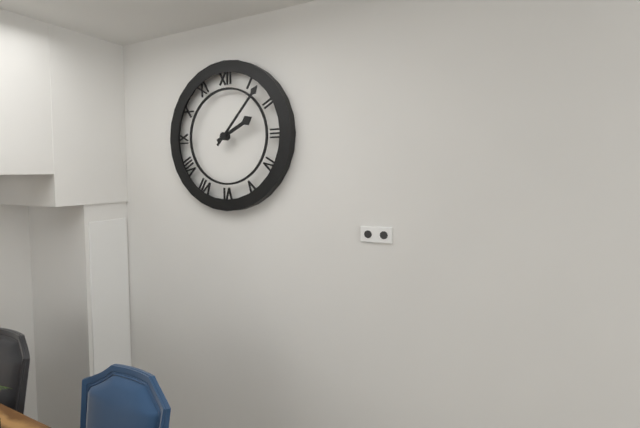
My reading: 2:07
